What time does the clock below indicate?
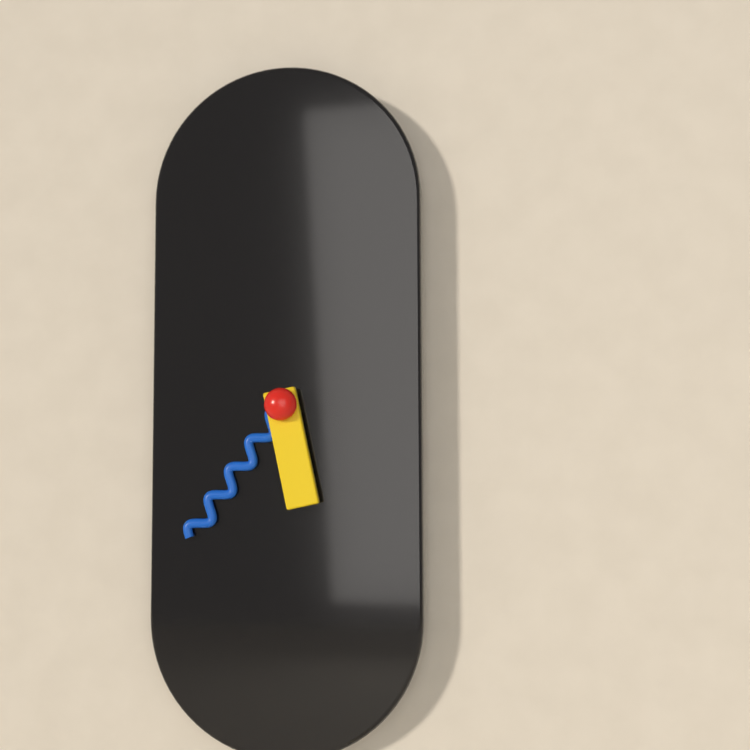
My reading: 5:36
